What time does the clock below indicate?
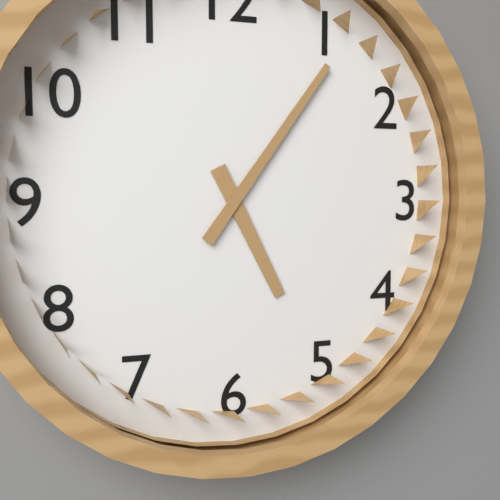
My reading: 5:06
